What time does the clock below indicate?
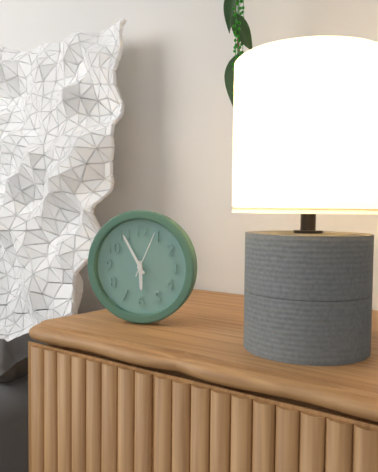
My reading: 5:55
